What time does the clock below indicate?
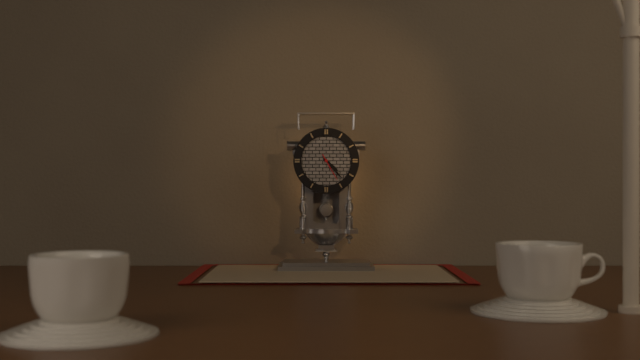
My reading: 4:23
